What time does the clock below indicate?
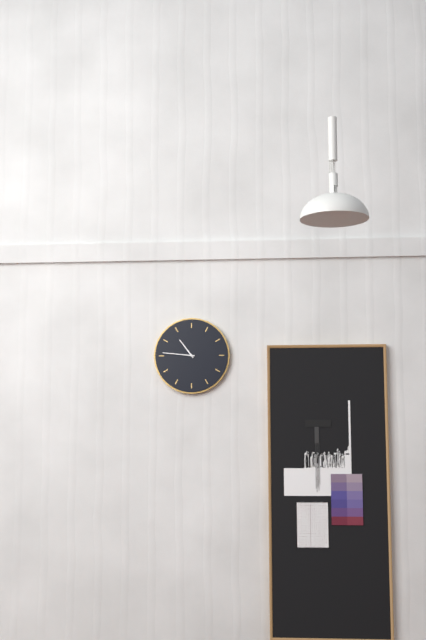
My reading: 10:46
